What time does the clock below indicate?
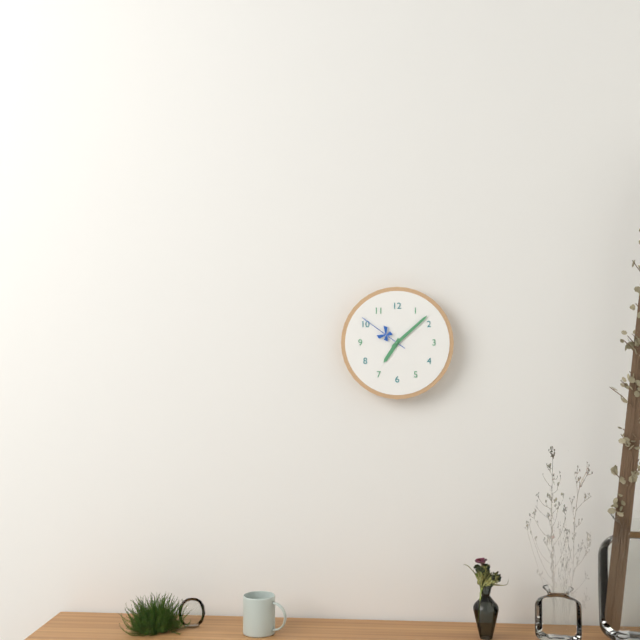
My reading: 7:08:51
